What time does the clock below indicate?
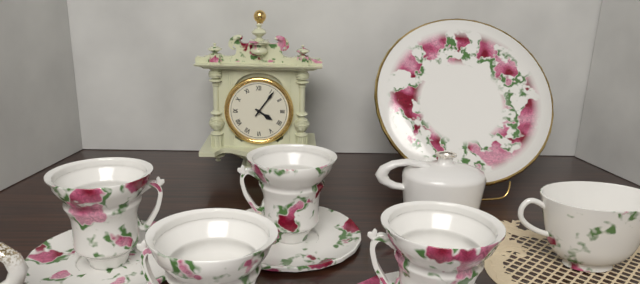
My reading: 4:06
